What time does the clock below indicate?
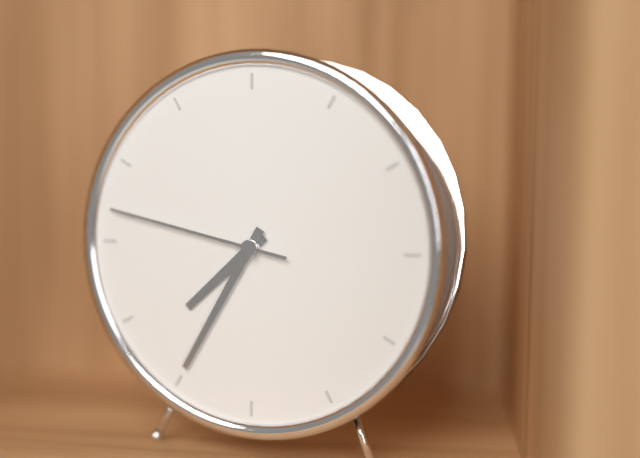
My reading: 7:35:47
